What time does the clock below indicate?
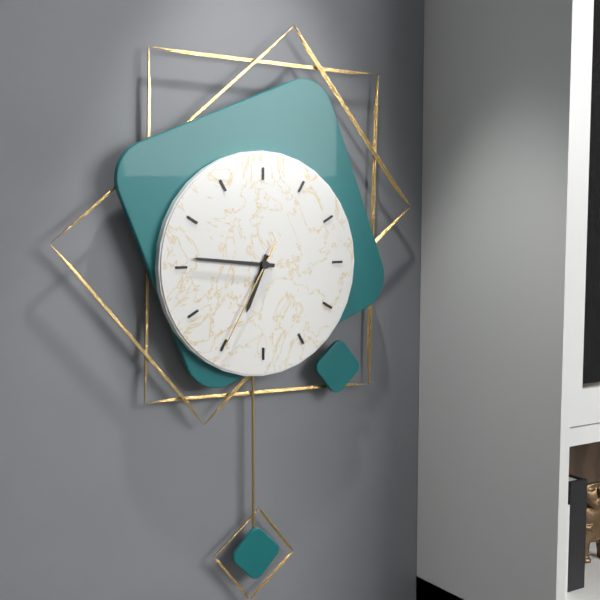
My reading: 6:46:35
